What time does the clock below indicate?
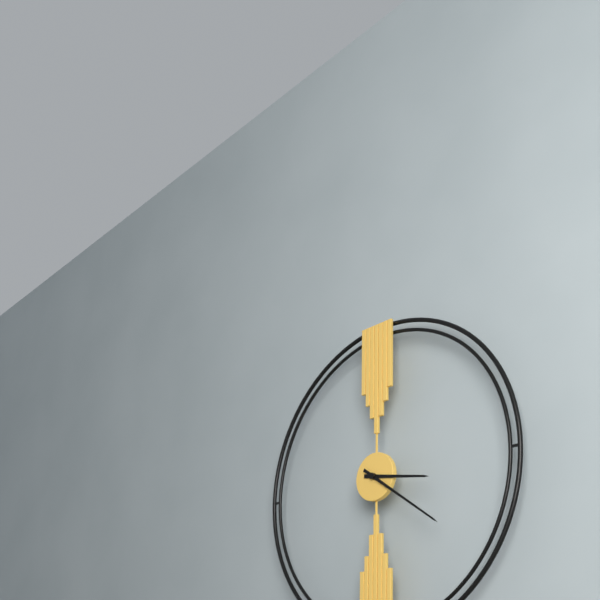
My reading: 3:21
